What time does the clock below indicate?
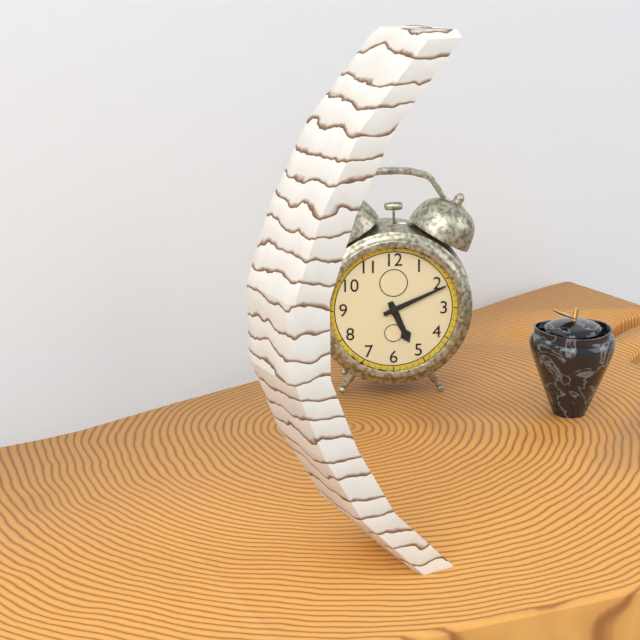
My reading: 5:11
